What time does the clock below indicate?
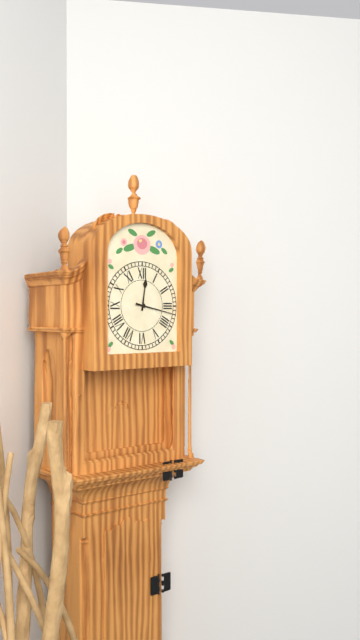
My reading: 12:17
